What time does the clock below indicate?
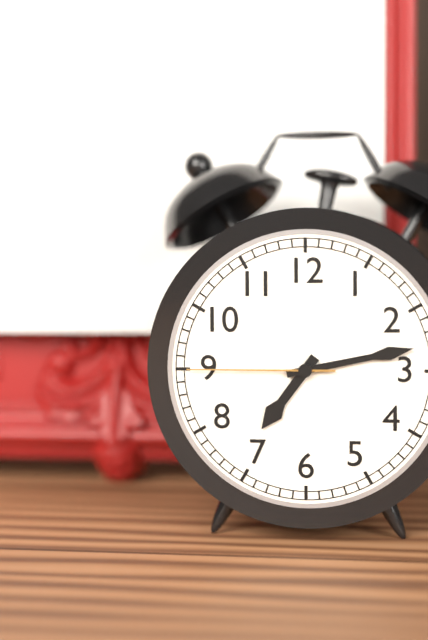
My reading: 7:13:45
